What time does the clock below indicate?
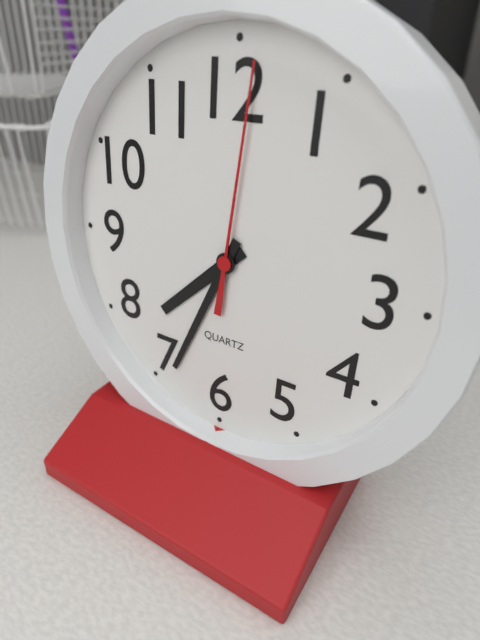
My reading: 7:34:01
